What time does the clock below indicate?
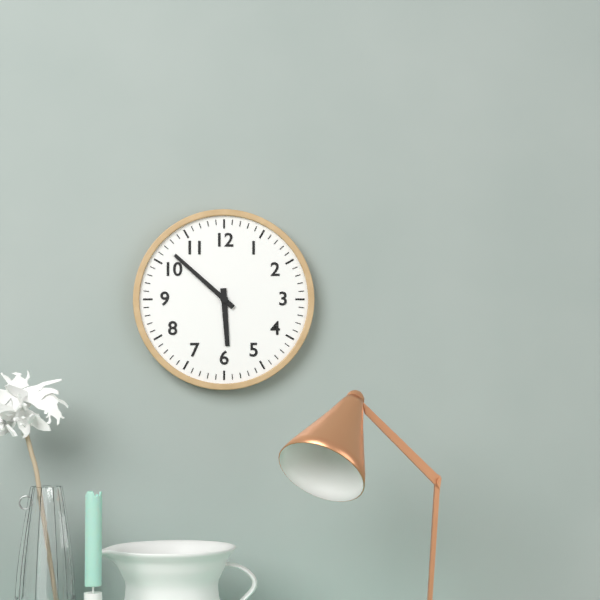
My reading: 5:52
